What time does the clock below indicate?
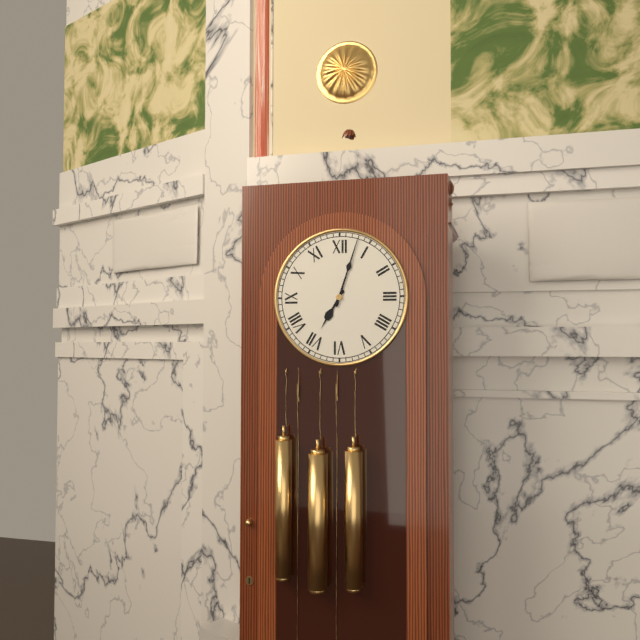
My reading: 7:03
